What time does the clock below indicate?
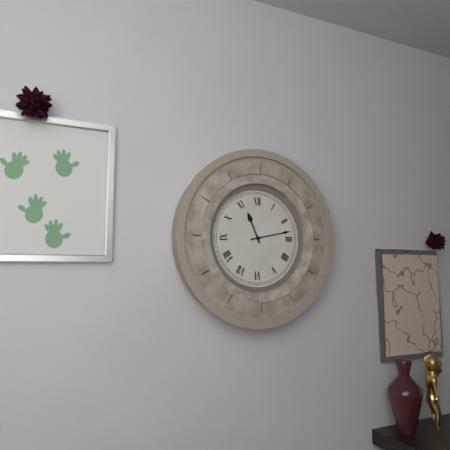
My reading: 11:13
